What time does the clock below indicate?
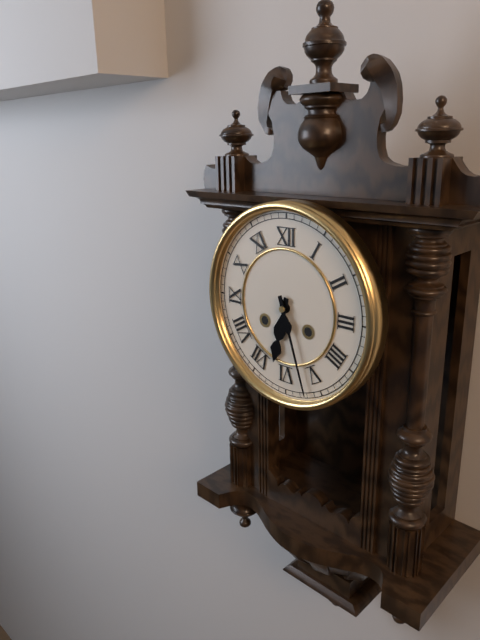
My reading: 6:27
